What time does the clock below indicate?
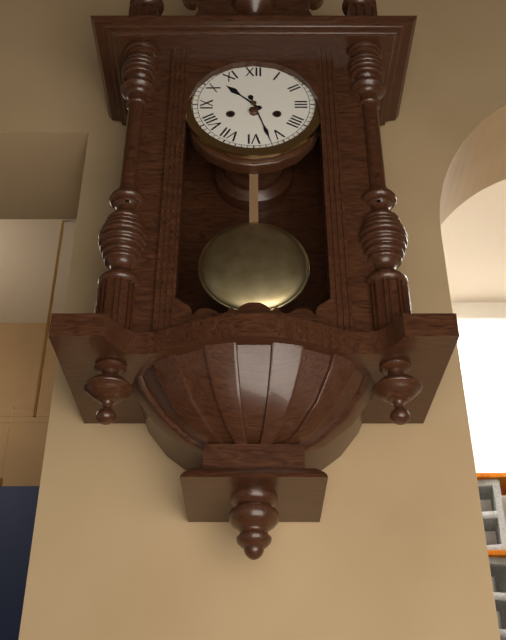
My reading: 10:27
